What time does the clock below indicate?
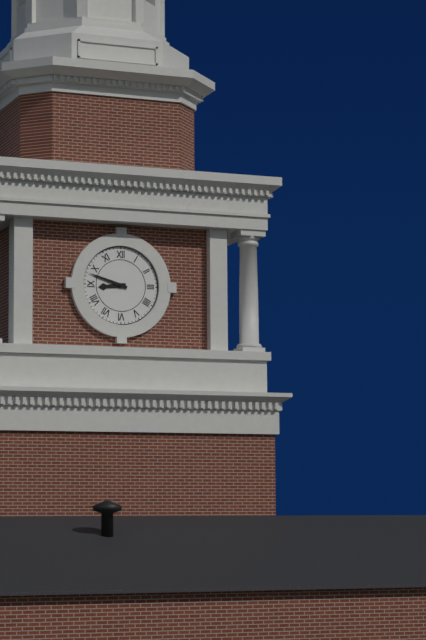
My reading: 8:48
